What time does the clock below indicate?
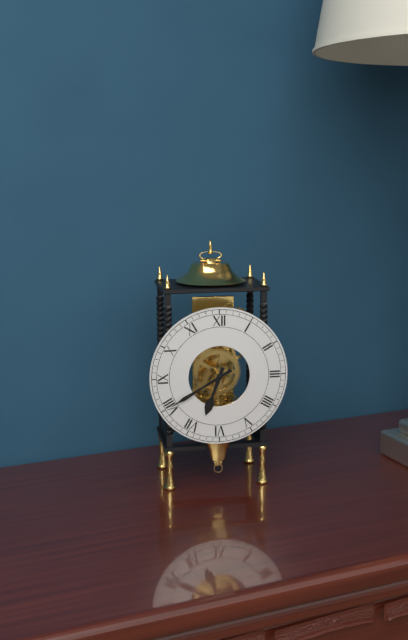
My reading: 6:40
